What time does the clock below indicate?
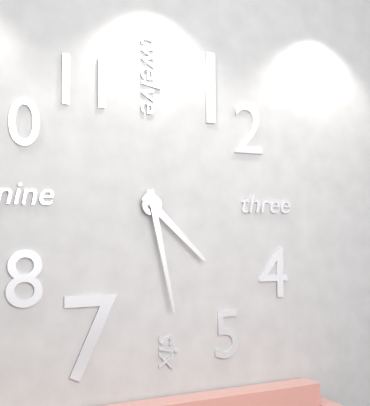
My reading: 4:28
